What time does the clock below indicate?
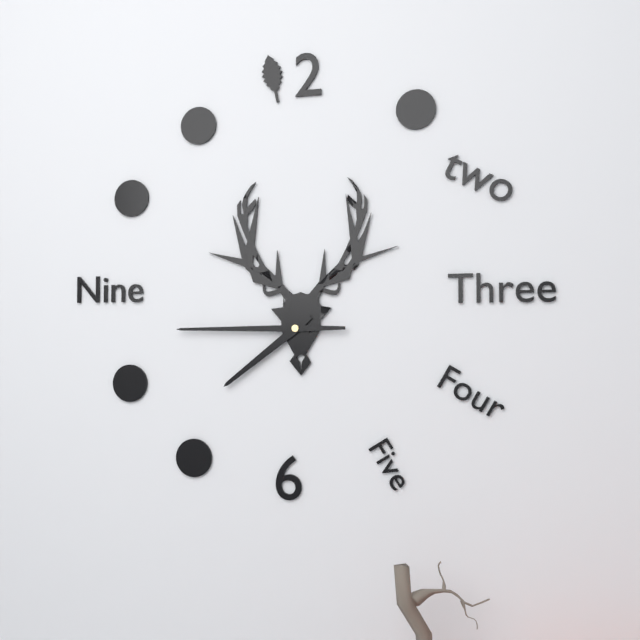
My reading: 7:45
